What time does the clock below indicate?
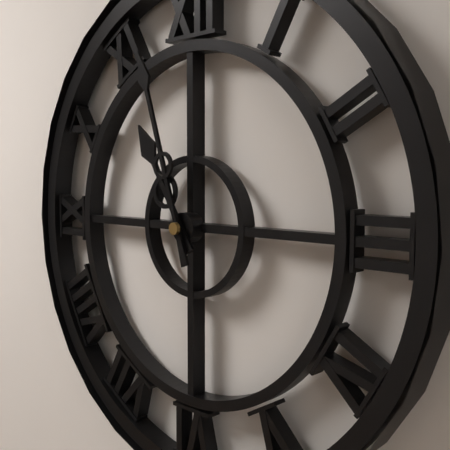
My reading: 10:57
